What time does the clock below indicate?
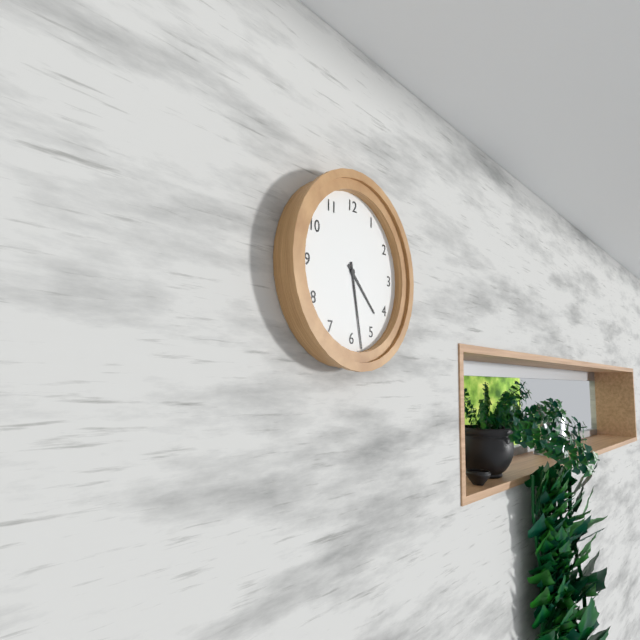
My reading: 4:28
